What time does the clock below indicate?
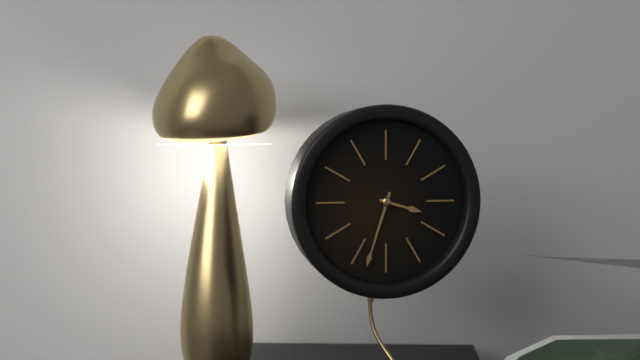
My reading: 3:33
